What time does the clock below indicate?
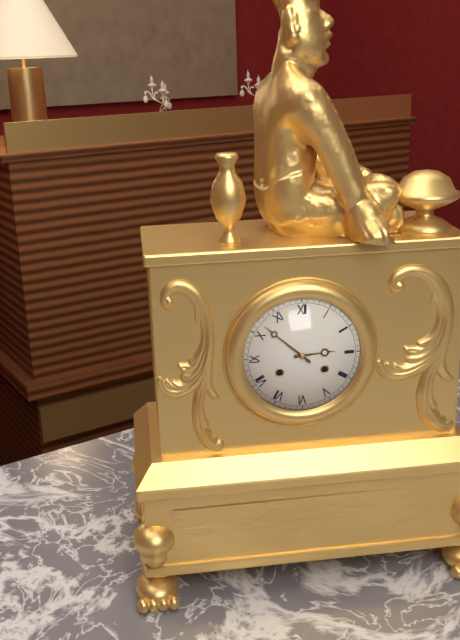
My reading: 2:52
